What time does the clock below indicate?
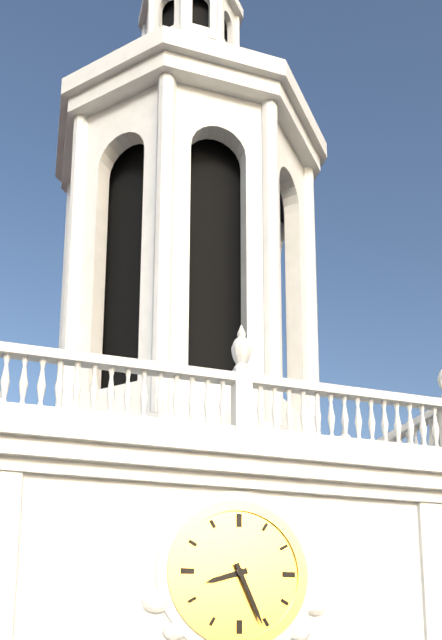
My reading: 8:26
